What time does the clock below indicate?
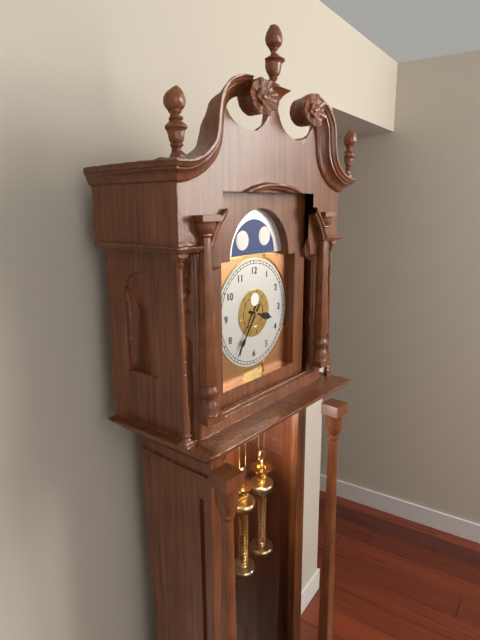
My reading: 3:36
